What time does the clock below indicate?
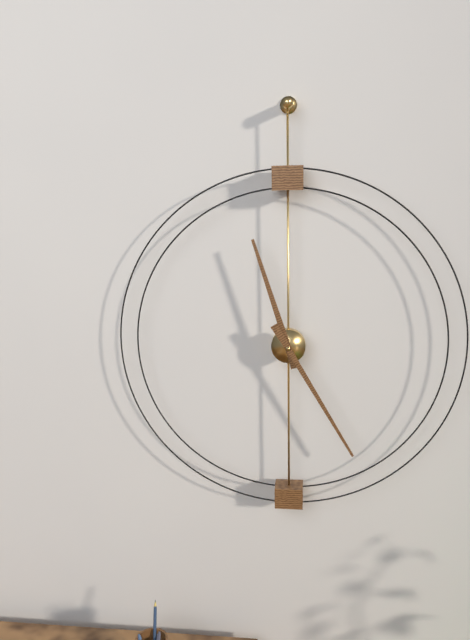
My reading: 11:25
